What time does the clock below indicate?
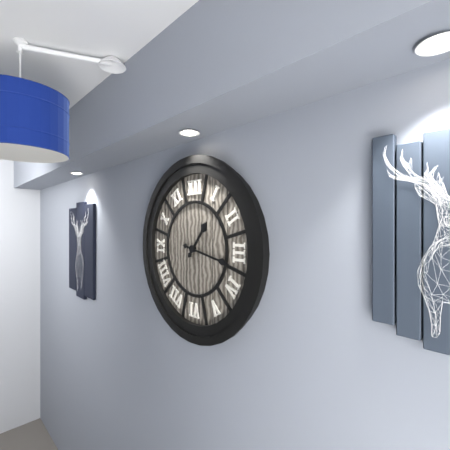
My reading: 1:17
